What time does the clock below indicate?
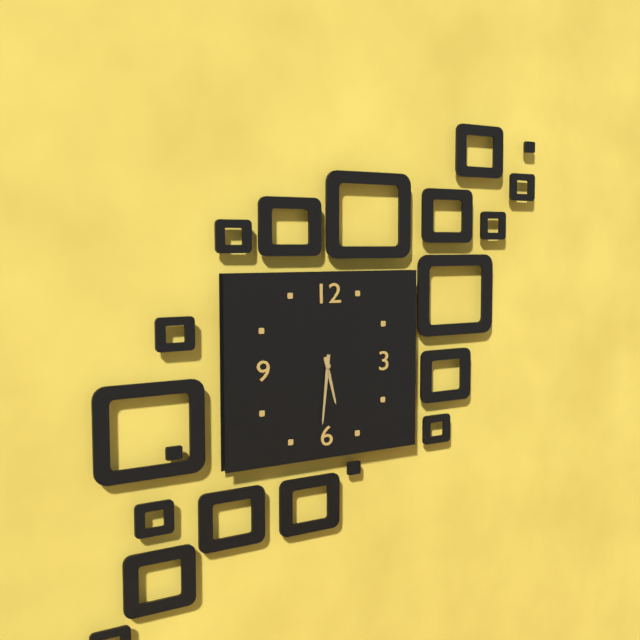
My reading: 5:31
